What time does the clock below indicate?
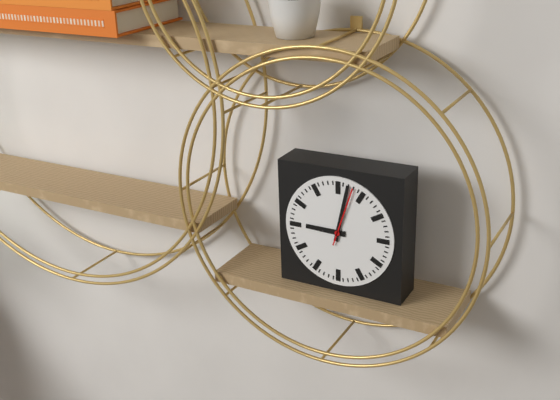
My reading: 9:02:03
